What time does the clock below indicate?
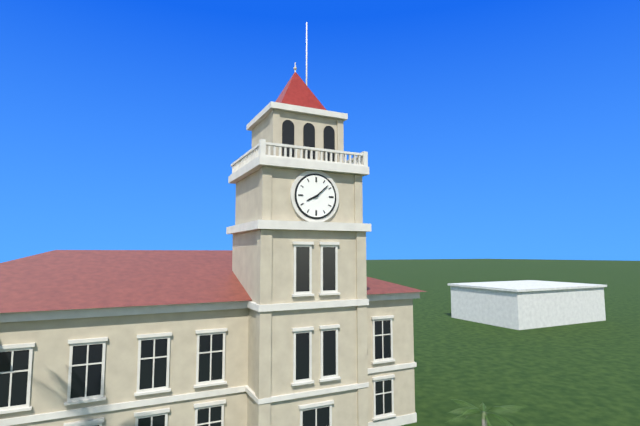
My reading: 8:08
